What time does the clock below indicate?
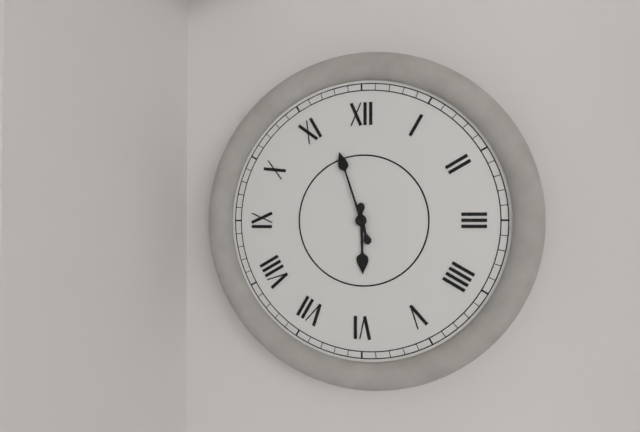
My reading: 5:57
